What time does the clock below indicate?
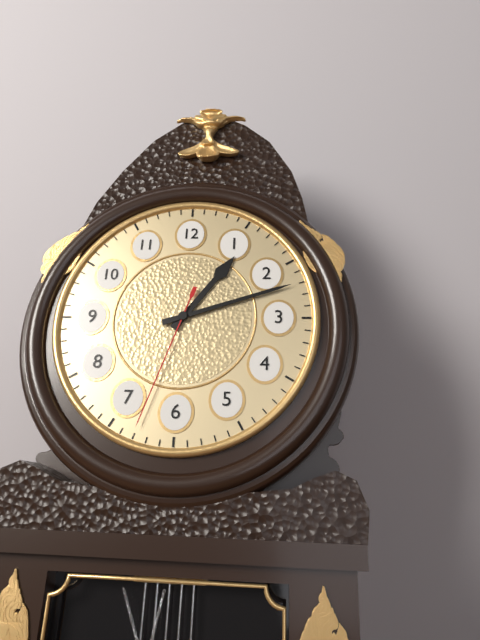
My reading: 1:12:33
